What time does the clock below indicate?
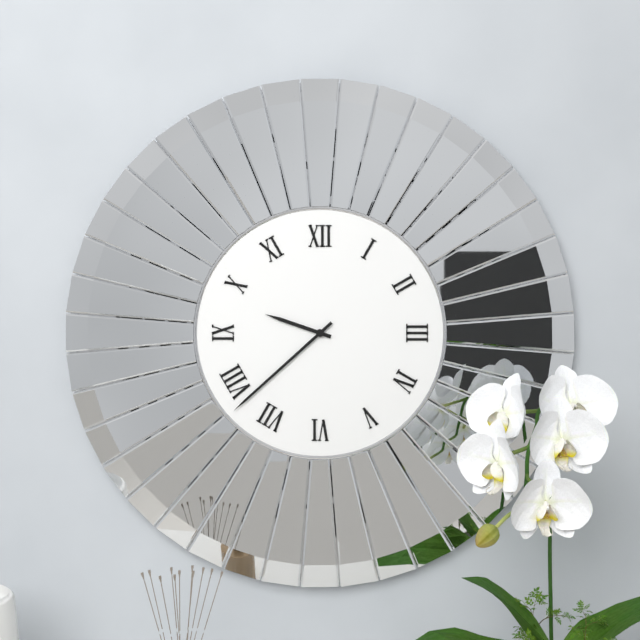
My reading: 9:38
